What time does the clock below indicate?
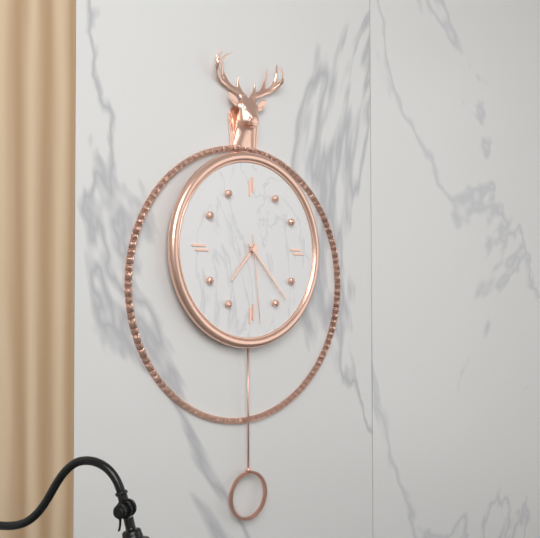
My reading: 7:23:29
